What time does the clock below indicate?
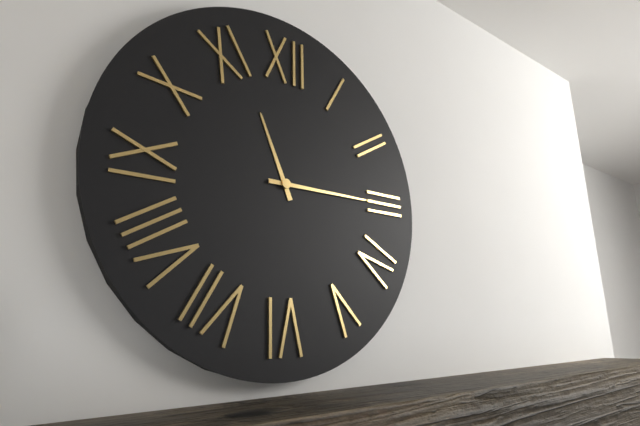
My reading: 11:15
